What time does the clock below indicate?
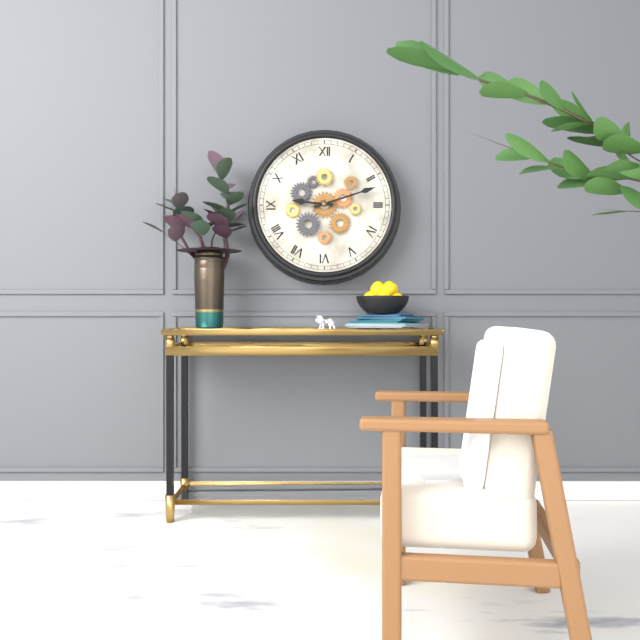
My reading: 9:12
